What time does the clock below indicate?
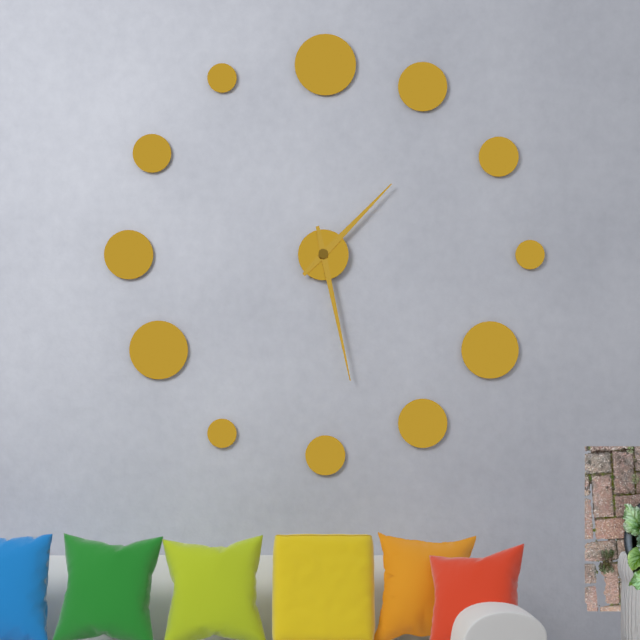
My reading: 1:28
